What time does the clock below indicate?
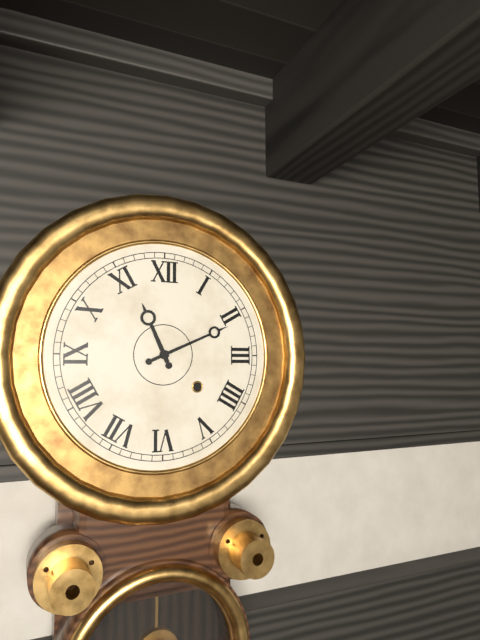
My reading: 11:11
